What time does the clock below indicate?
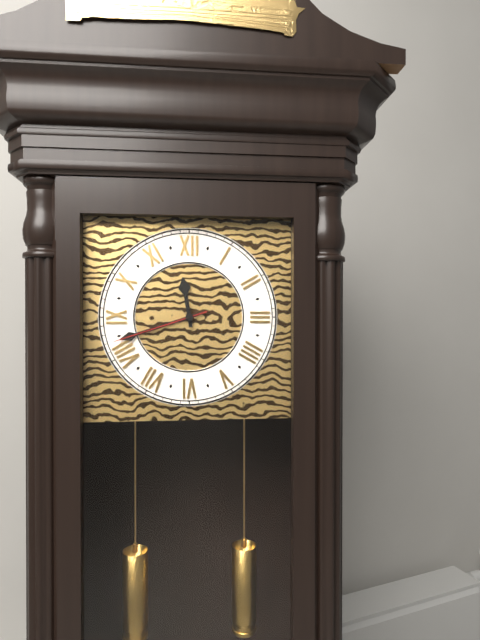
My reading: 11:42:42
